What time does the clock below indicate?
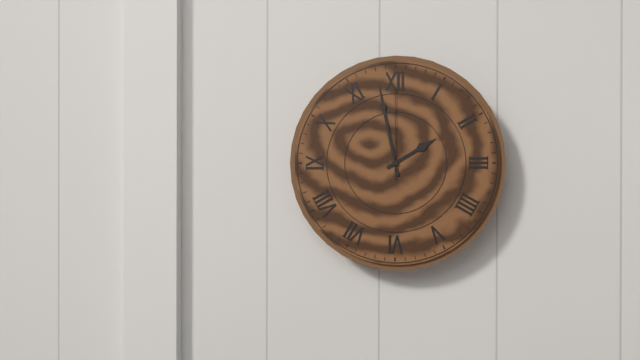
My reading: 1:58:00
